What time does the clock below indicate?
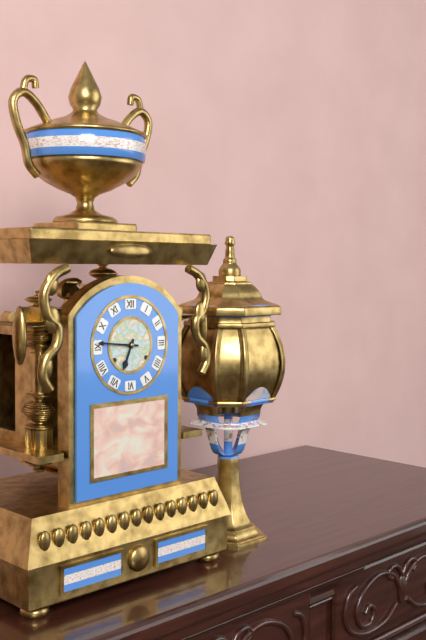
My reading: 6:46
